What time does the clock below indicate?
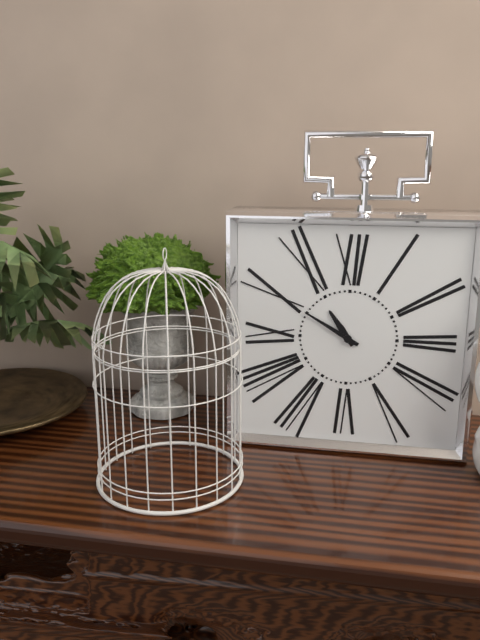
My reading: 10:50
